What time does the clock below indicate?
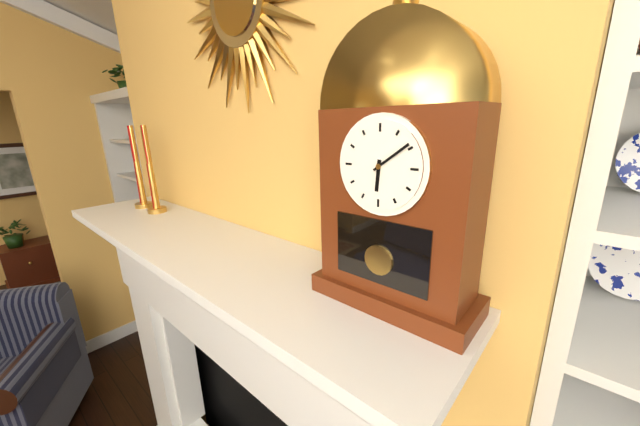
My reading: 6:09
